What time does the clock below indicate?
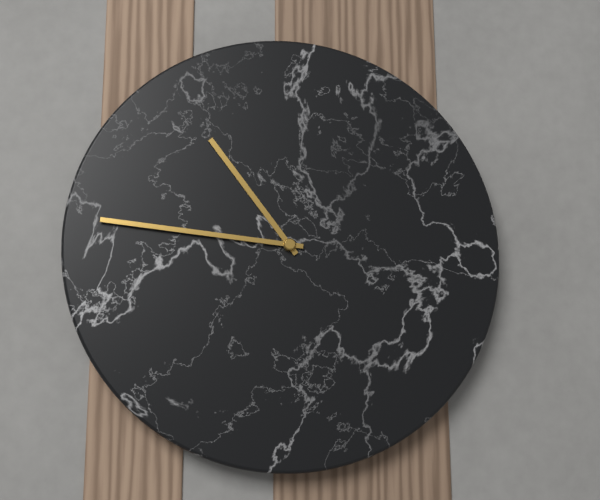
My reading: 10:46
